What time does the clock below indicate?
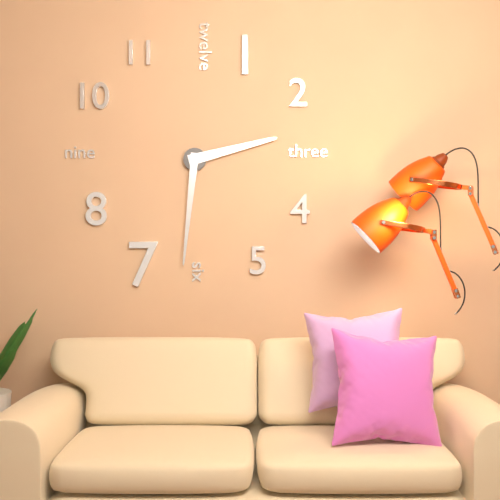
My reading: 2:31
